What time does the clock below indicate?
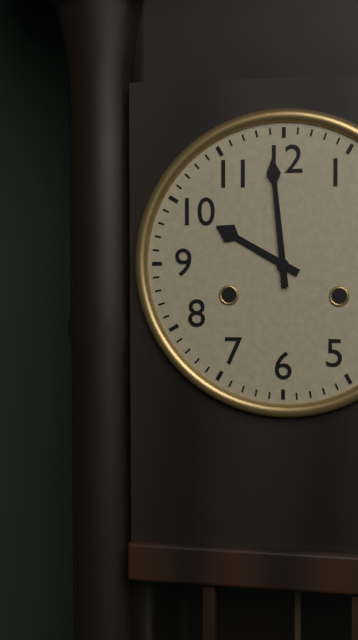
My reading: 9:59
